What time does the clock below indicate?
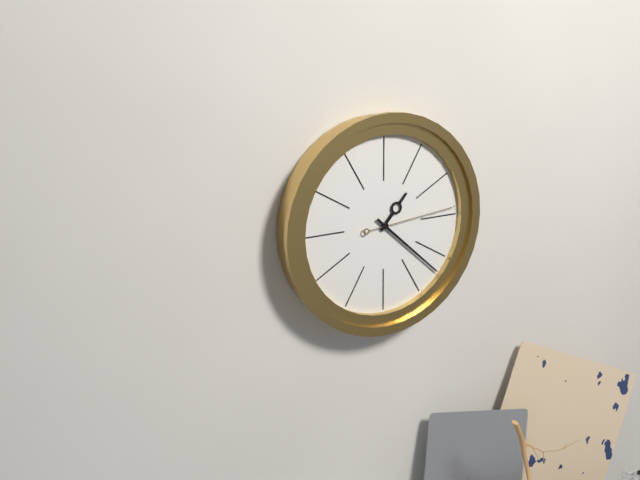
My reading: 1:22:14
